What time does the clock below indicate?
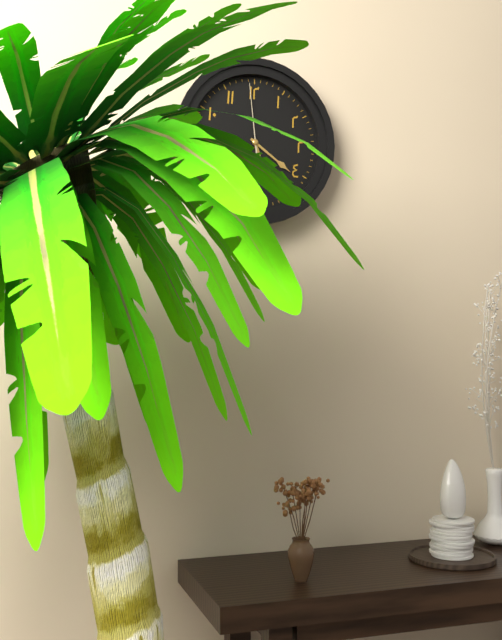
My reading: 5:21:59
